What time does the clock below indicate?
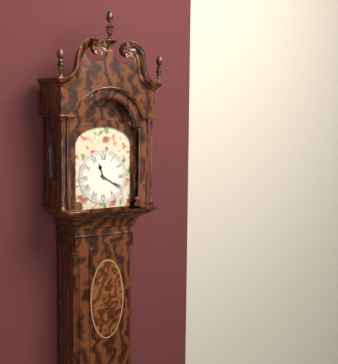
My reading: 11:20
